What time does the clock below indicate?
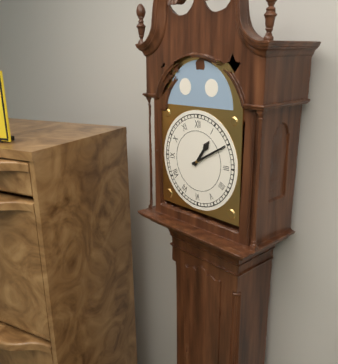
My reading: 1:10
